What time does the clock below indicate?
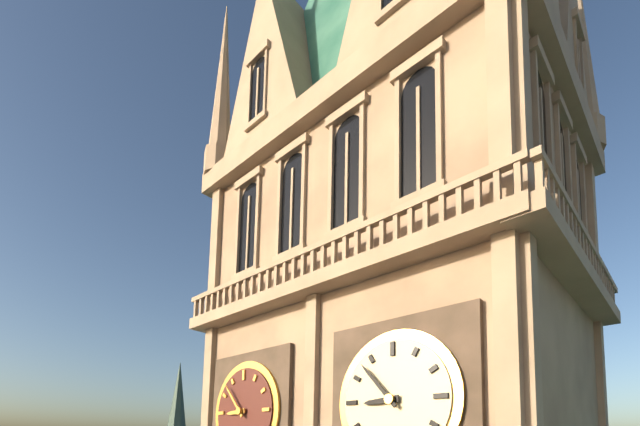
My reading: 8:53
